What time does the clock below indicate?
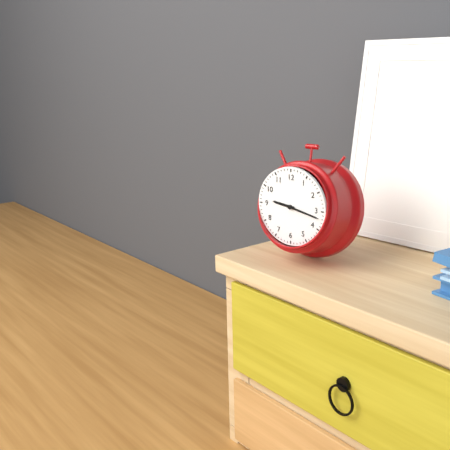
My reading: 9:17
